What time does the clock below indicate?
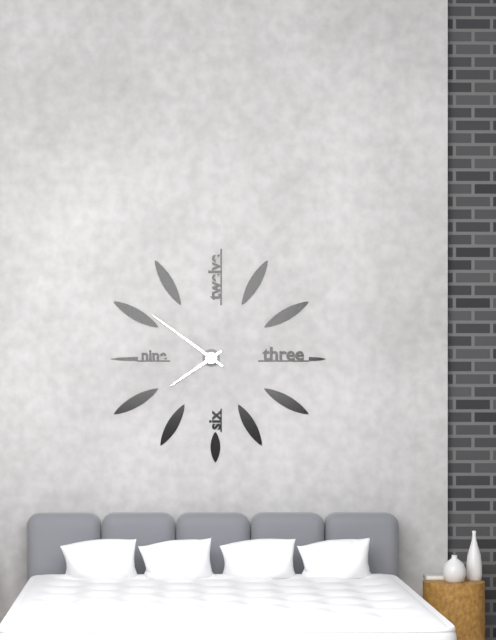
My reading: 7:51
